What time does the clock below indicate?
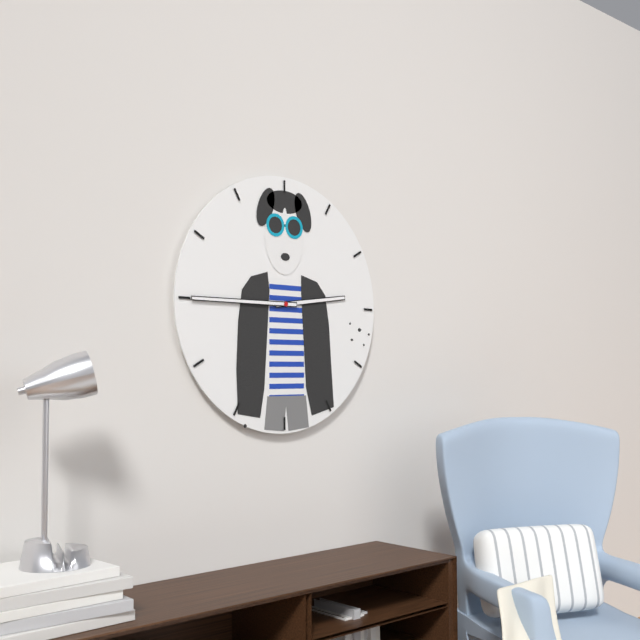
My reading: 2:45
